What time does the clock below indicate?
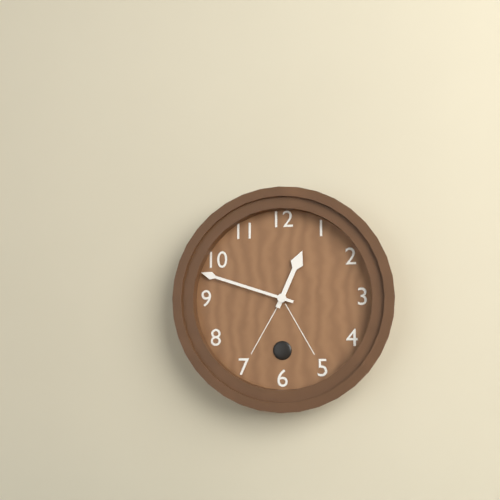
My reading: 12:48
